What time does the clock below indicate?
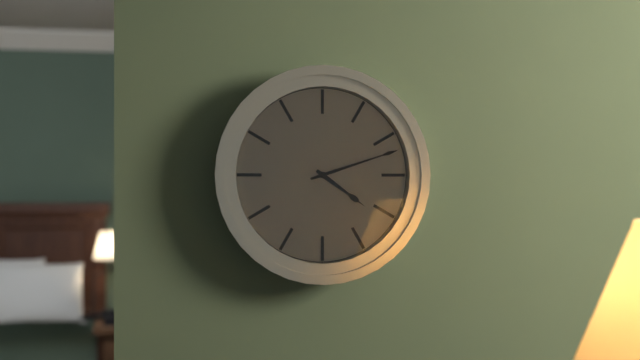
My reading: 4:12
